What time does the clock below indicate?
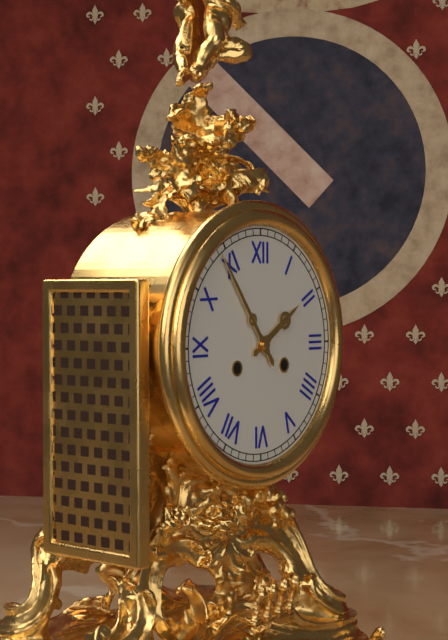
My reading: 1:54
